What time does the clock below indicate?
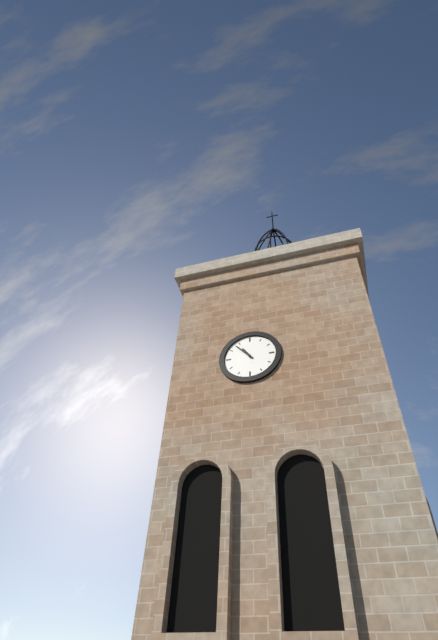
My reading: 10:53
